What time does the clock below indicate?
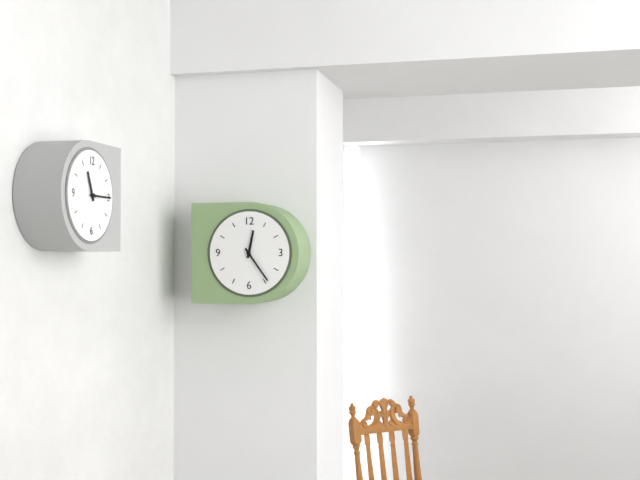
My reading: 12:24
